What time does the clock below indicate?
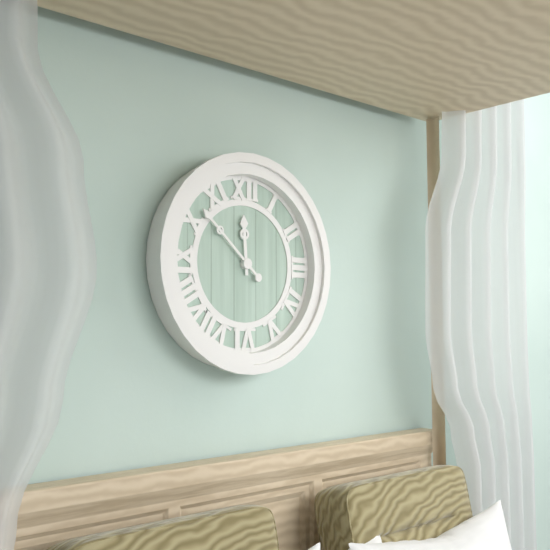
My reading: 11:52
